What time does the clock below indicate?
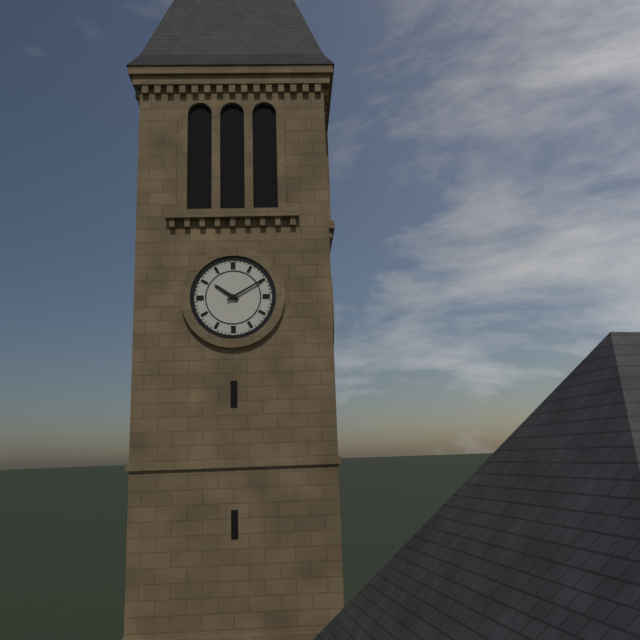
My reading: 10:10
